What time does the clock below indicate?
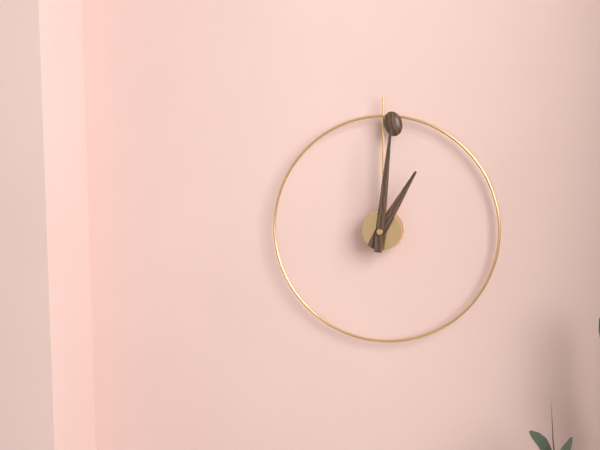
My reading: 1:01
